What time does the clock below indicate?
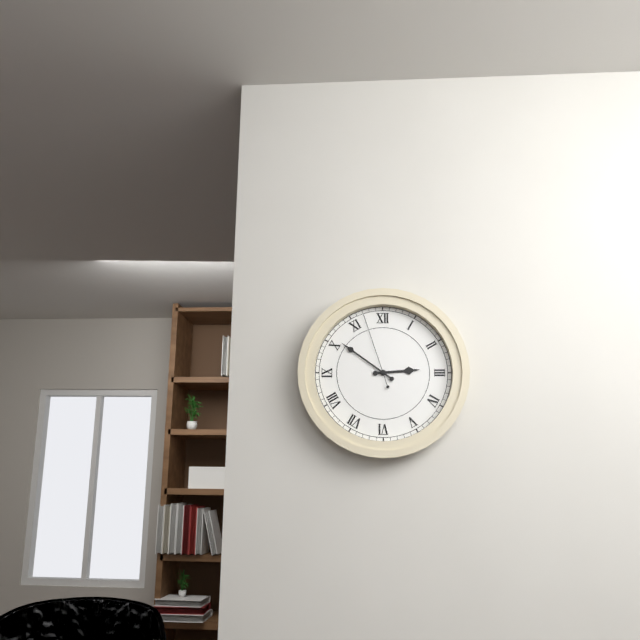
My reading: 2:51:57
